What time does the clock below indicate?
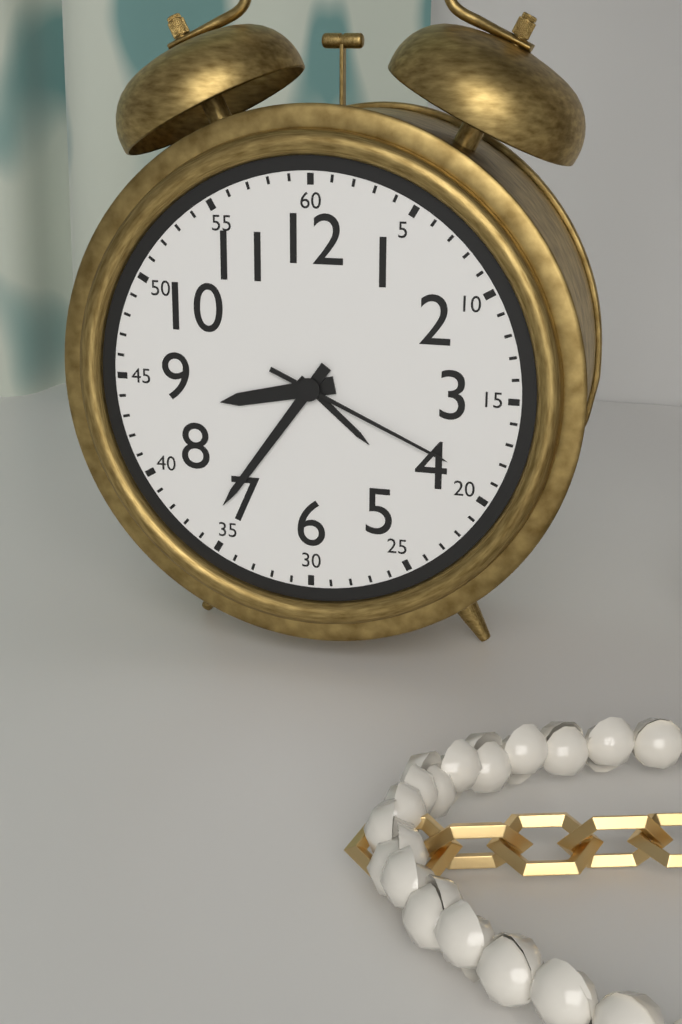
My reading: 8:36:19
